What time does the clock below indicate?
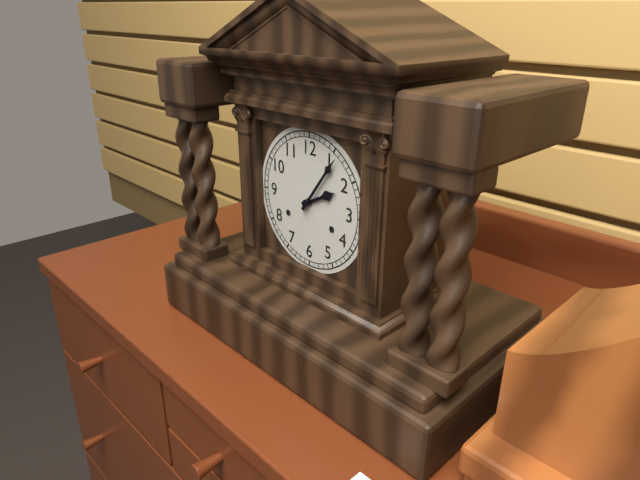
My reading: 2:06
